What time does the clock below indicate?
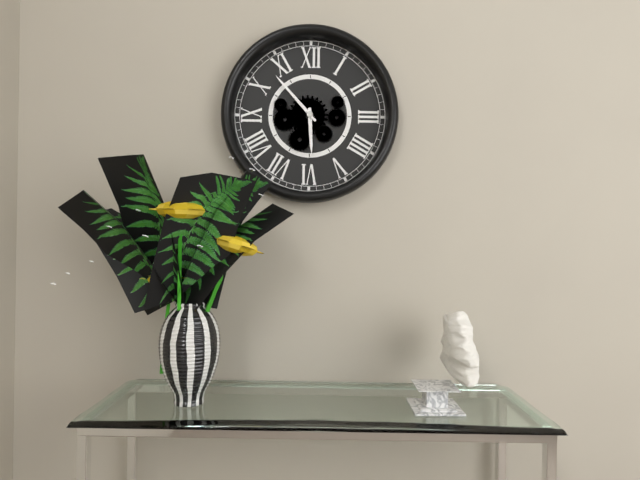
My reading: 5:53
